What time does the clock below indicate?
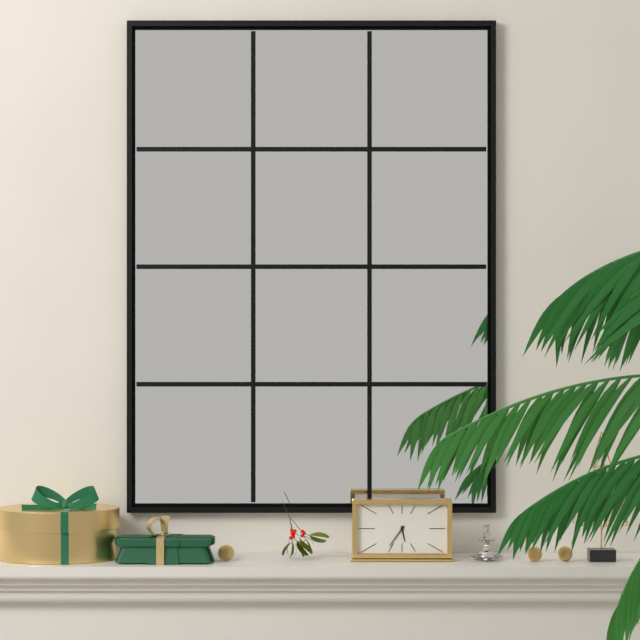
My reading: 5:36
